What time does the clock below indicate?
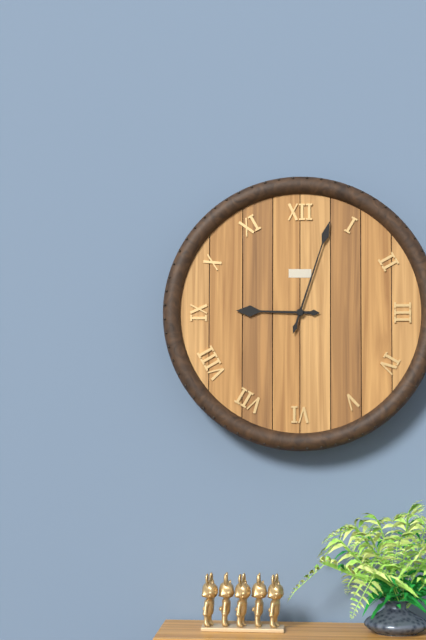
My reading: 9:03
